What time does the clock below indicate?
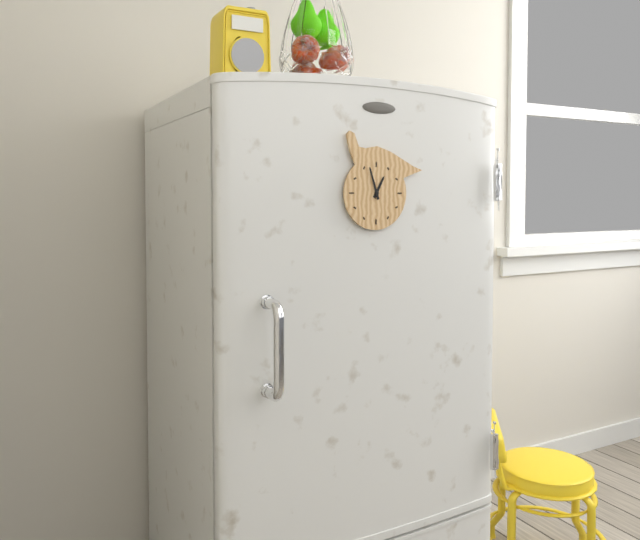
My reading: 12:57
